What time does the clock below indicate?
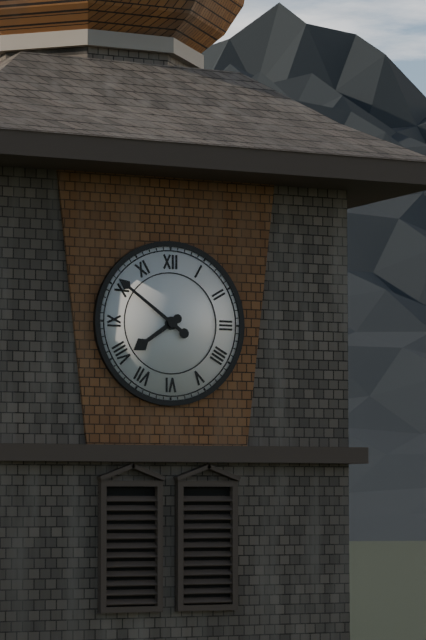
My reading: 7:51
